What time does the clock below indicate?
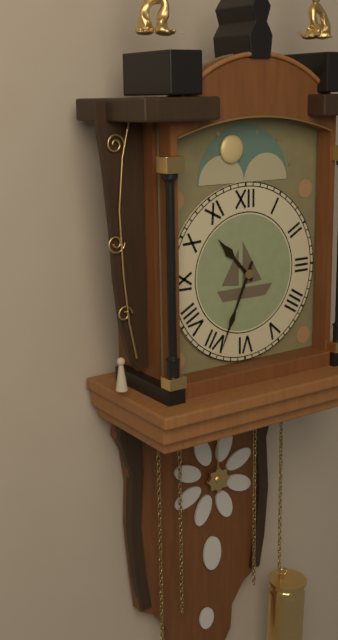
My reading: 10:34
